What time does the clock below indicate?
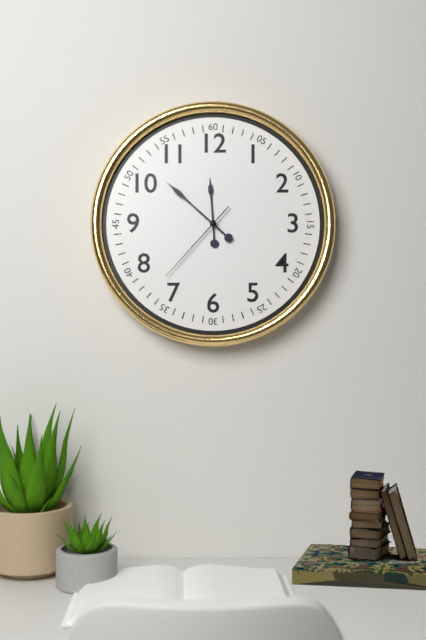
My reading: 11:52:37
